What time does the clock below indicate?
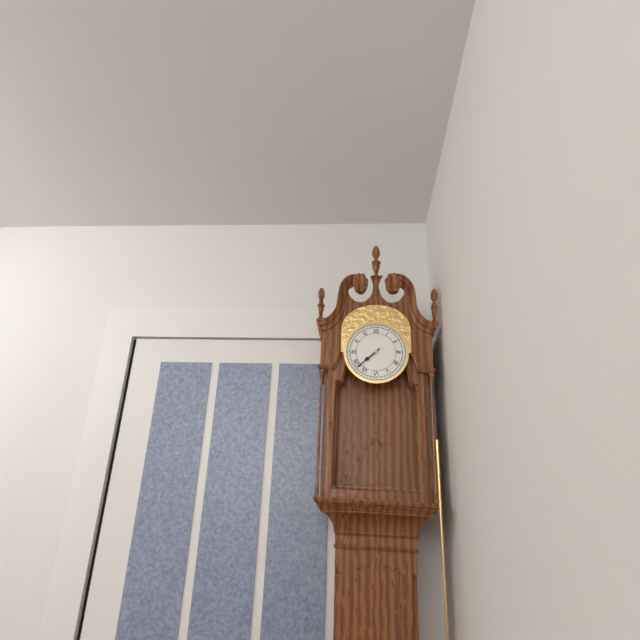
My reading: 7:38
